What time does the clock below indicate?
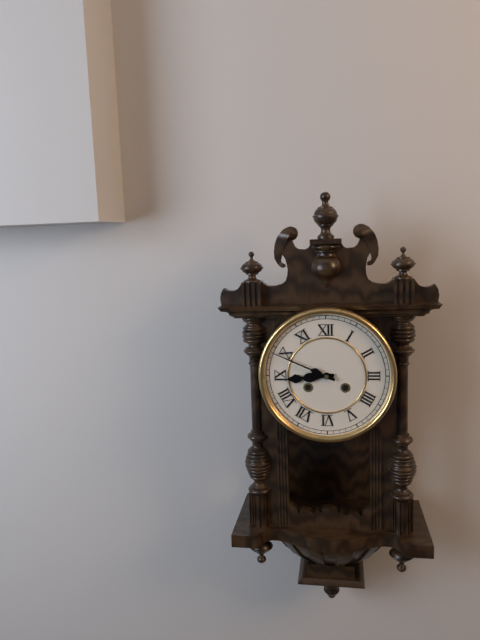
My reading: 8:49
